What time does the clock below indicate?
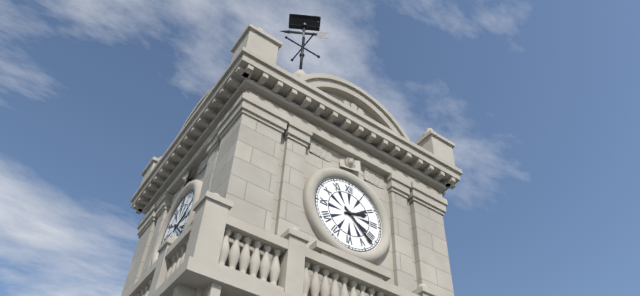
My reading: 2:22
